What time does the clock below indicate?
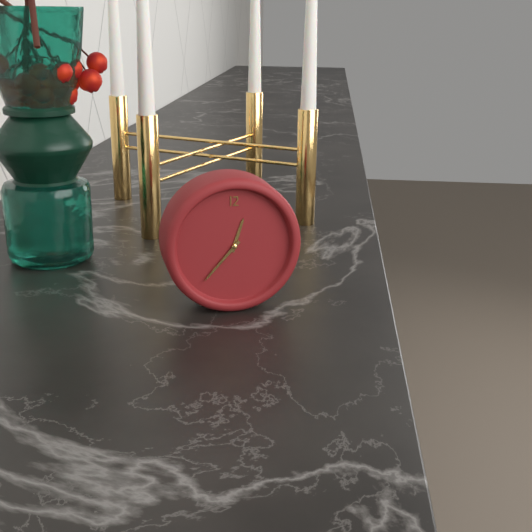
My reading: 12:37
